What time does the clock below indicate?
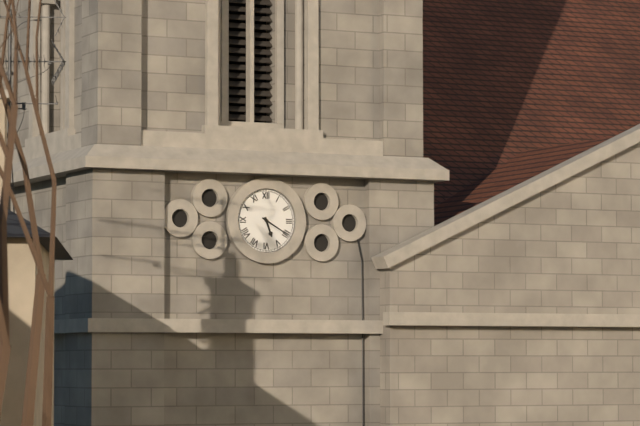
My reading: 5:20
